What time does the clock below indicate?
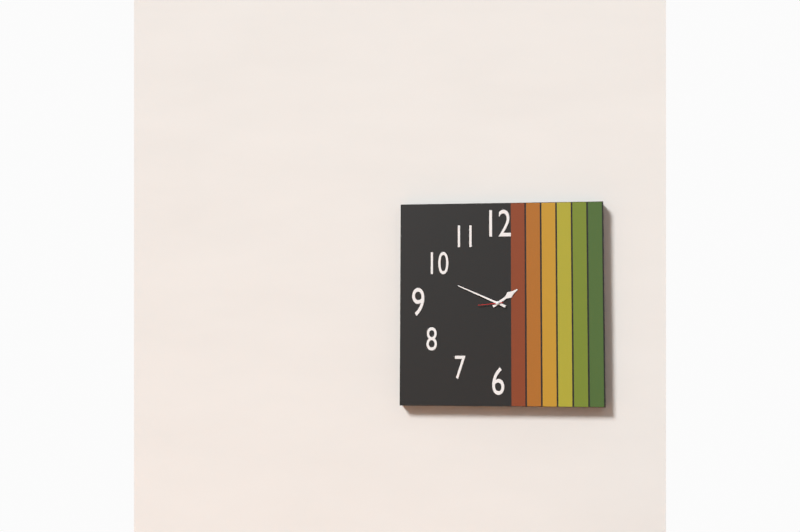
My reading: 1:49
